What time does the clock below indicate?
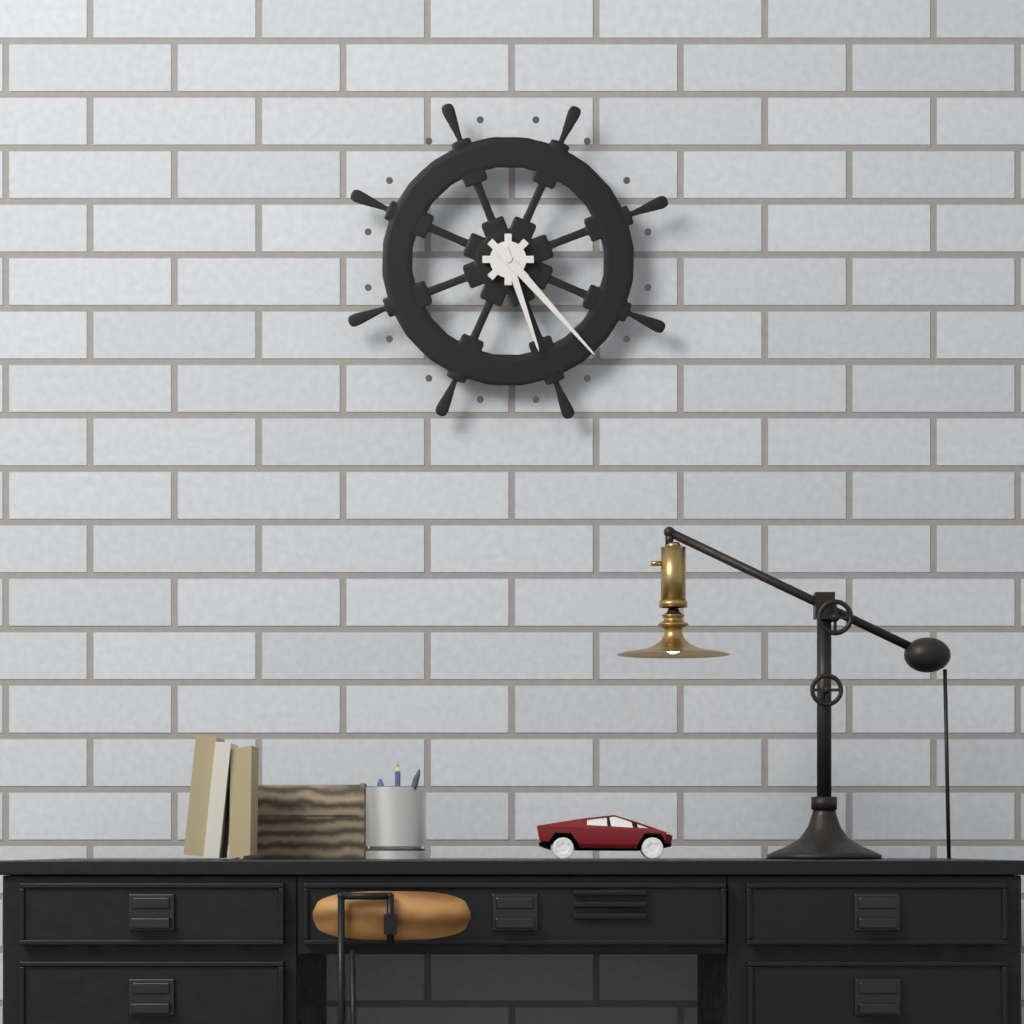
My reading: 5:23
